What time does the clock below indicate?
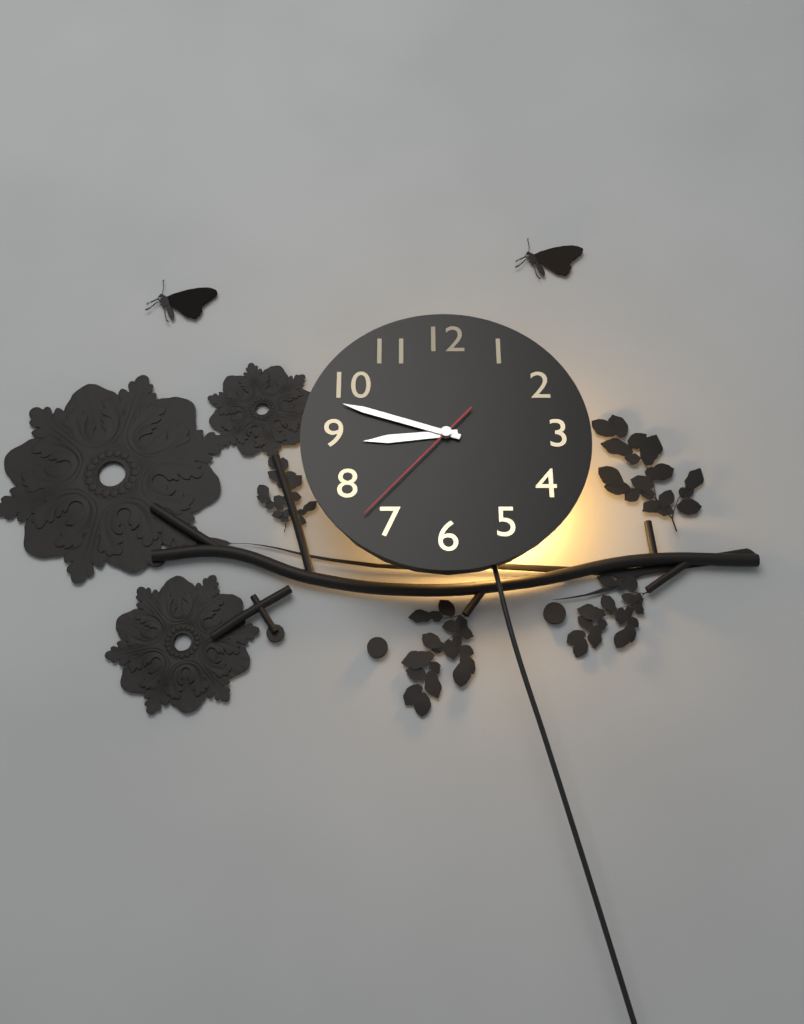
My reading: 8:48:37
